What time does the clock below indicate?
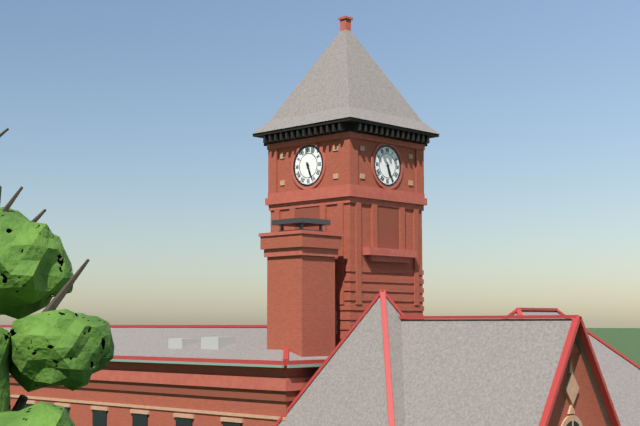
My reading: 5:26
